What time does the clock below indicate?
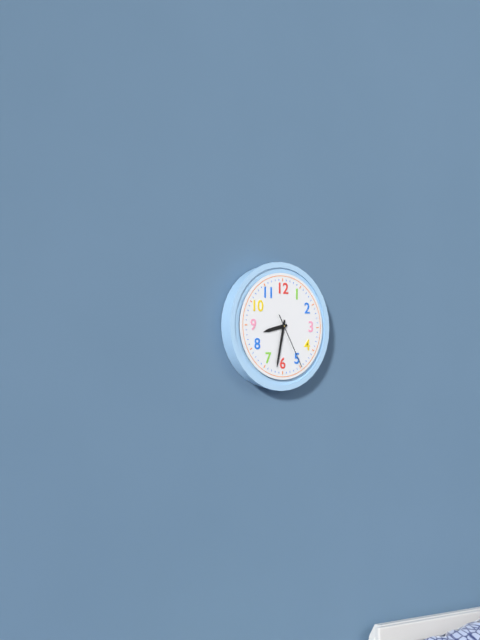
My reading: 8:32:25
